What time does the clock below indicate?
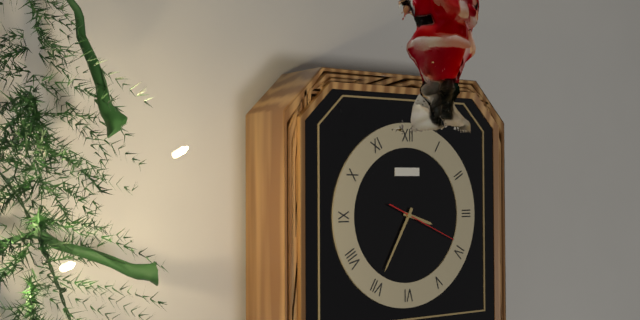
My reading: 3:35:19
